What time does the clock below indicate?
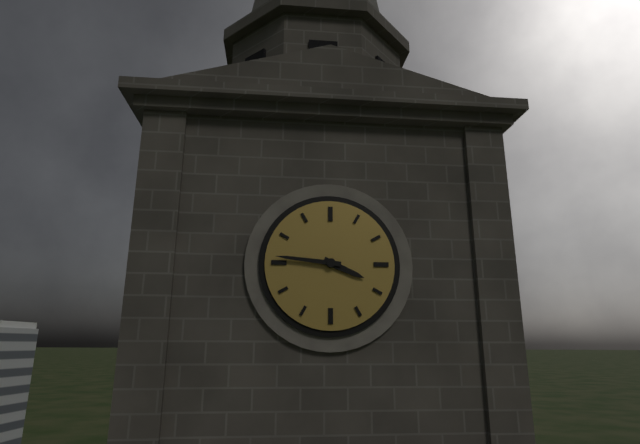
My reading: 3:46
